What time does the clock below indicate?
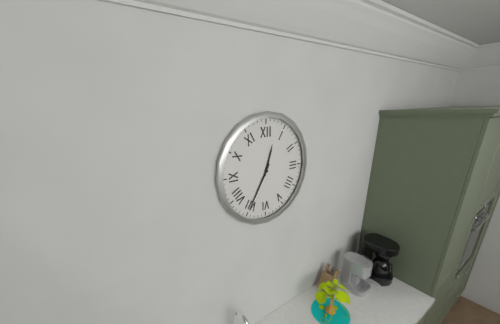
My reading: 12:35
